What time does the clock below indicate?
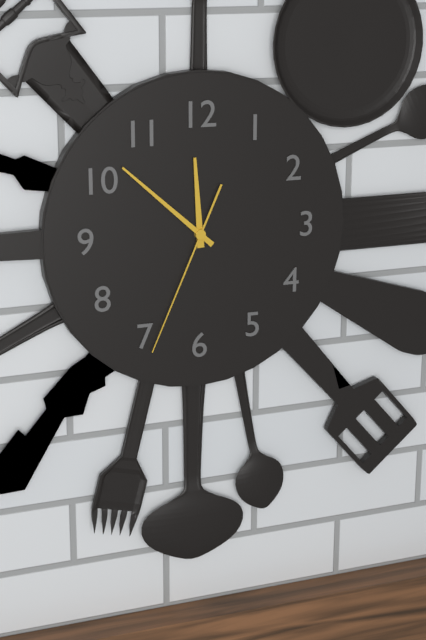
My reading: 11:52:34
